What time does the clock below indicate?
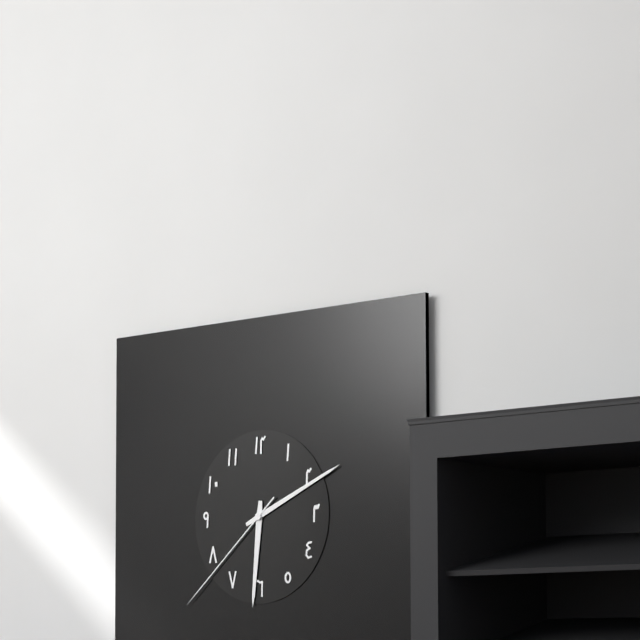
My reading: 6:11:38
